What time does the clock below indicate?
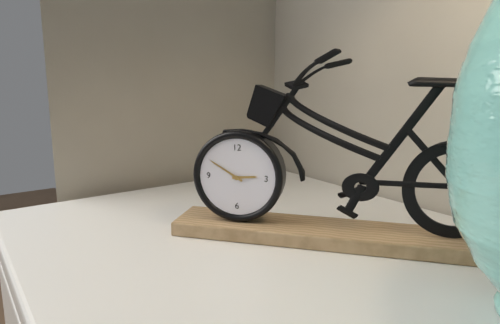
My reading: 2:50
